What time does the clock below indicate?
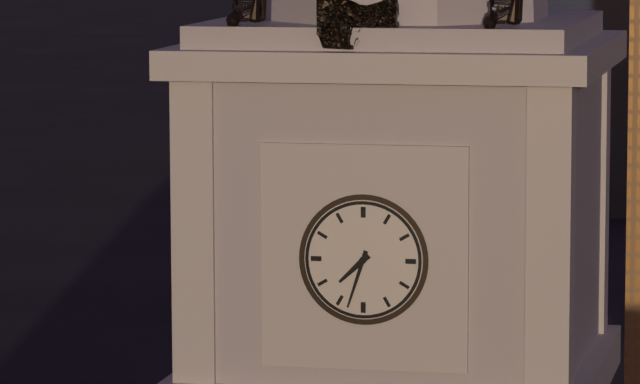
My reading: 7:33
